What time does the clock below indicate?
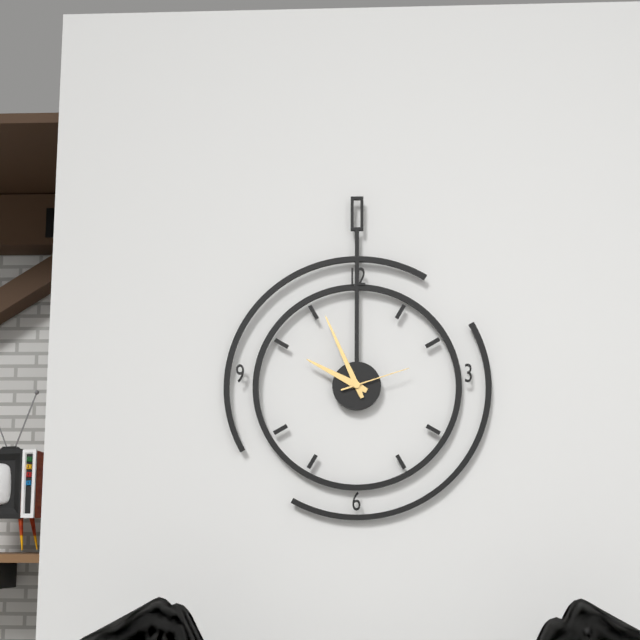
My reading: 9:56:12
